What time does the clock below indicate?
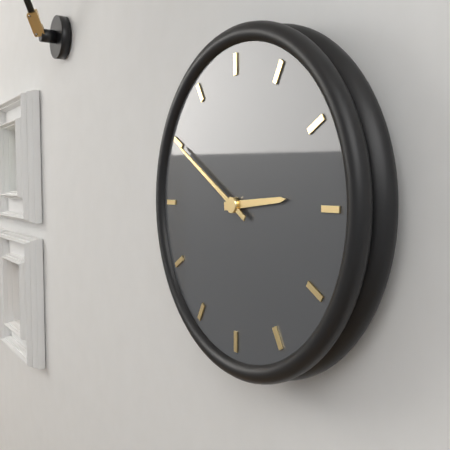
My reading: 2:50
